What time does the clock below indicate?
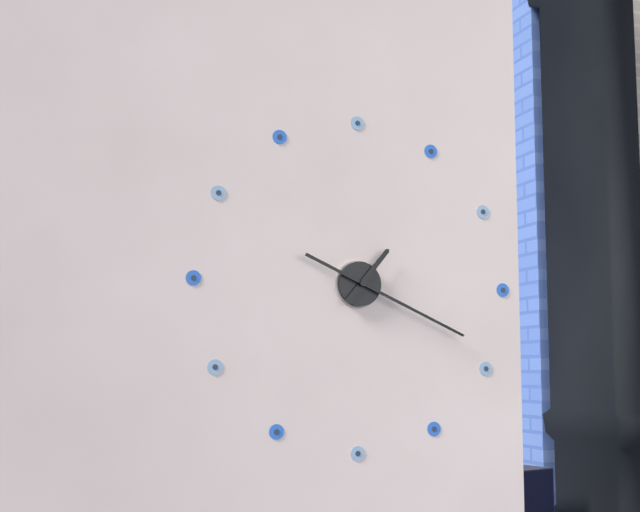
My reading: 1:19
